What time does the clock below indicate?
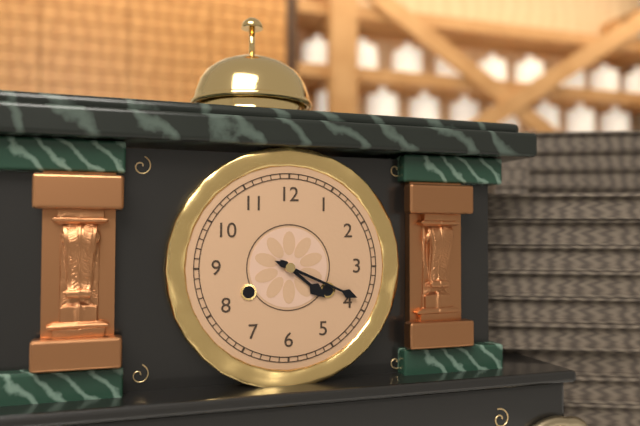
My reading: 4:19
